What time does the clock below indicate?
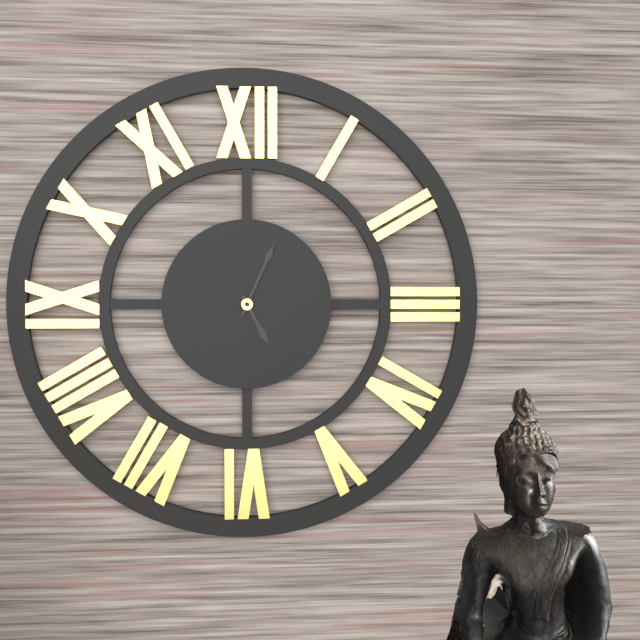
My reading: 5:04
